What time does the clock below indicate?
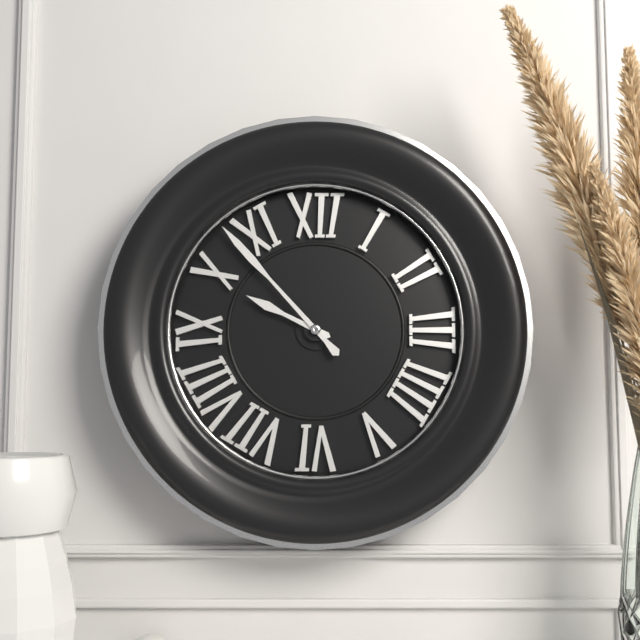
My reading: 9:53
